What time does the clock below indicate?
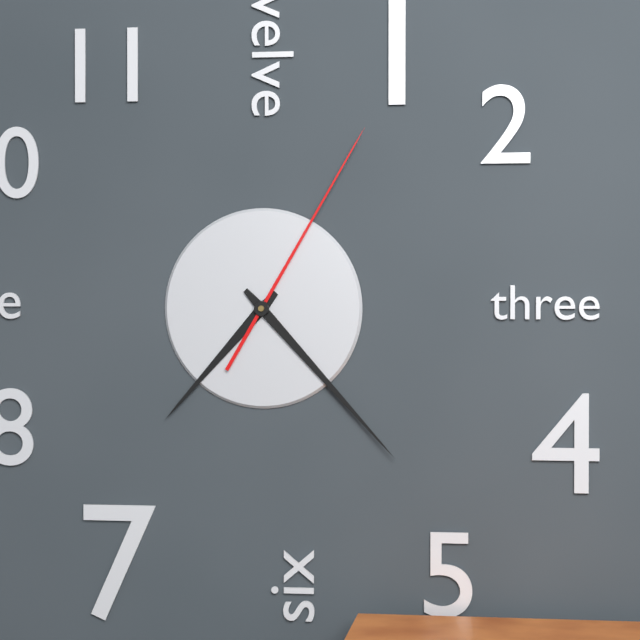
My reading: 7:23:05
